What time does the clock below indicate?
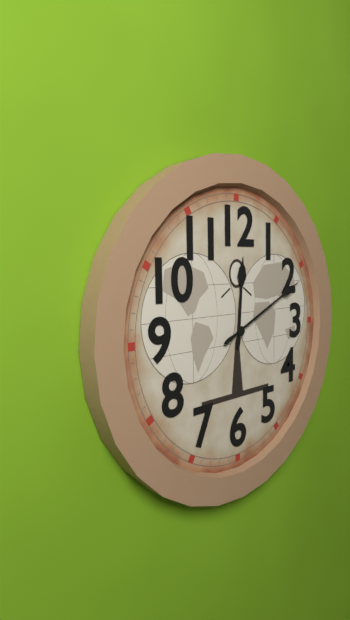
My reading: 12:11
